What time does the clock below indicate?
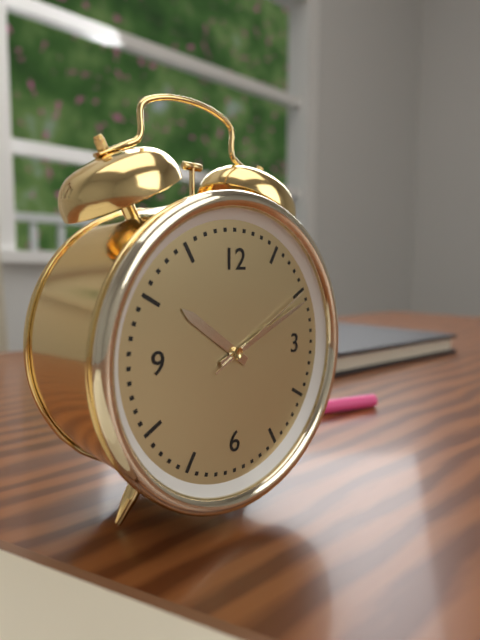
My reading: 10:11:10
